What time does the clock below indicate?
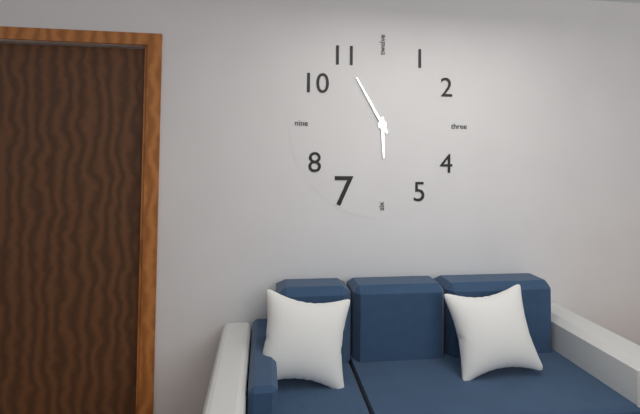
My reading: 5:55
